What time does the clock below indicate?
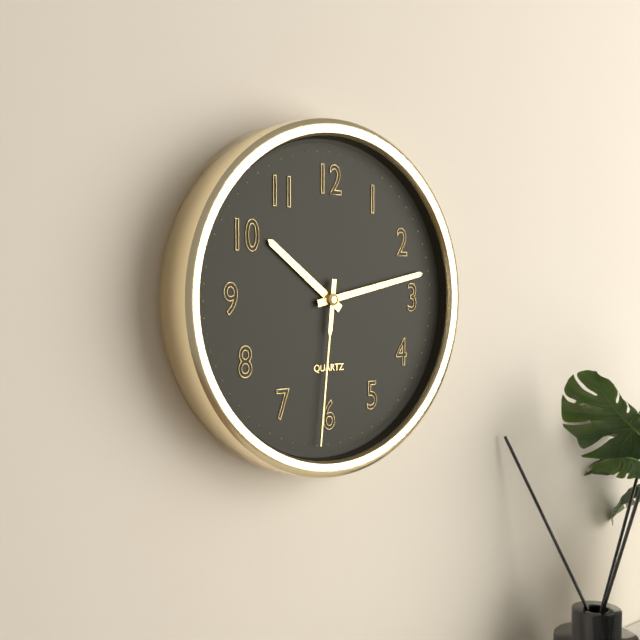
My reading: 10:13:31
